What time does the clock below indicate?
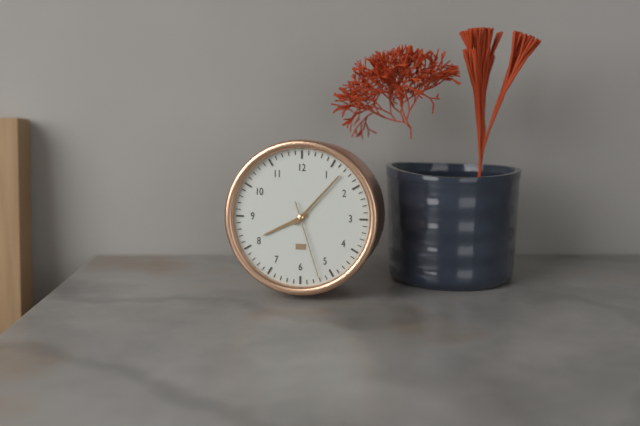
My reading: 8:07:27
